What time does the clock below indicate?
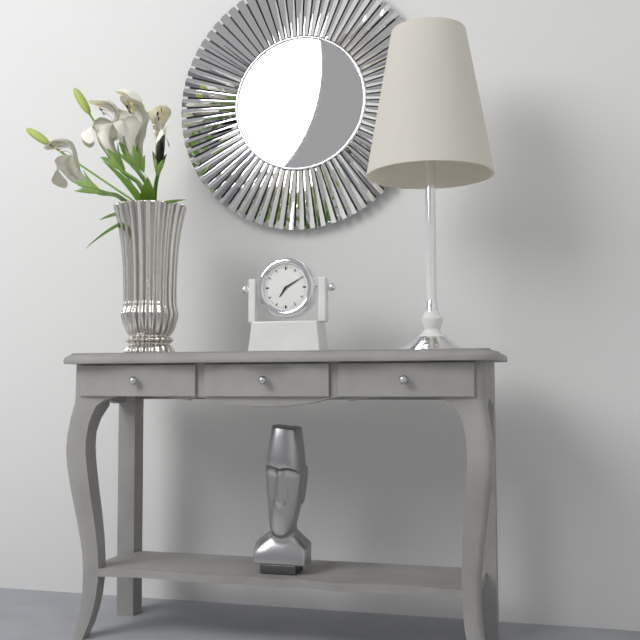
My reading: 7:10
